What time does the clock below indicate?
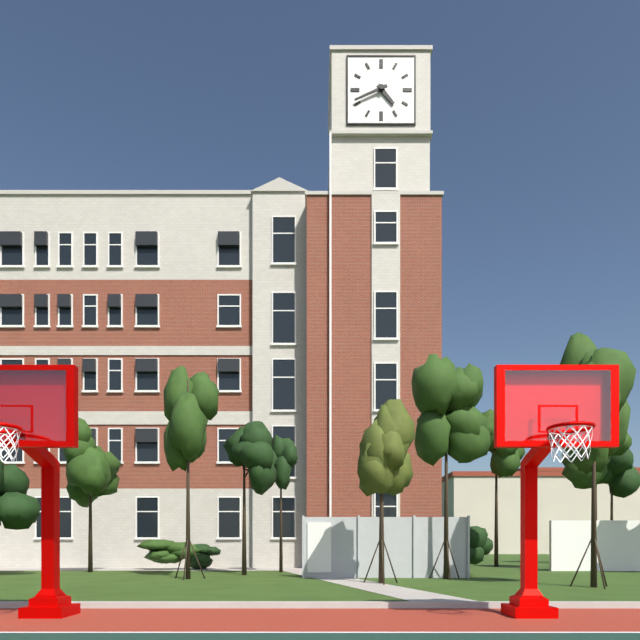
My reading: 4:41
